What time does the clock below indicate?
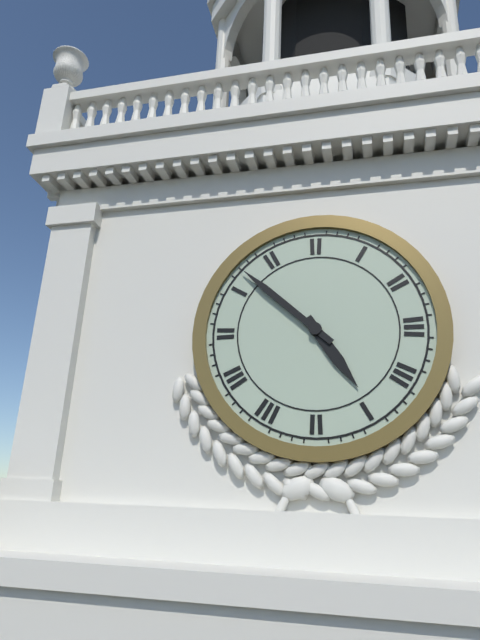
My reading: 4:52
